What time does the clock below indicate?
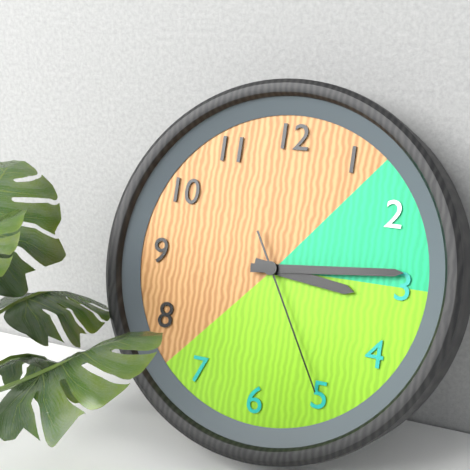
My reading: 3:14:25
